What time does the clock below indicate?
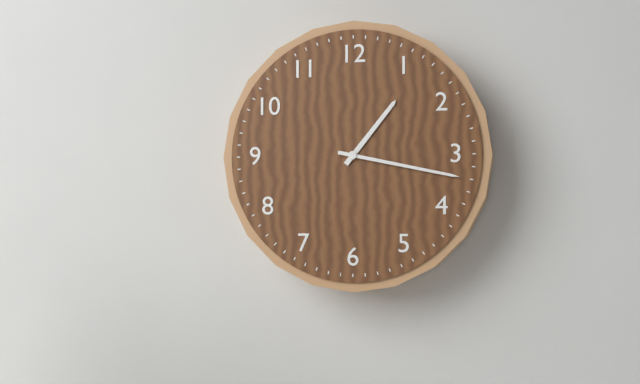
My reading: 1:17
